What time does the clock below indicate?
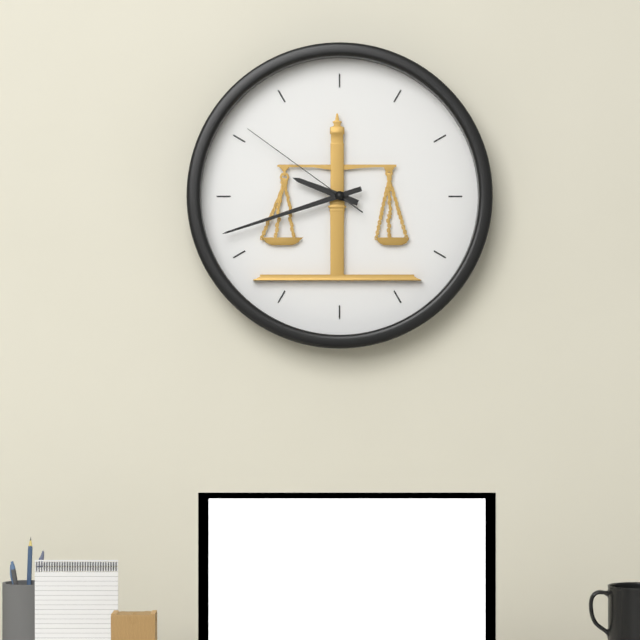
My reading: 9:42:51
